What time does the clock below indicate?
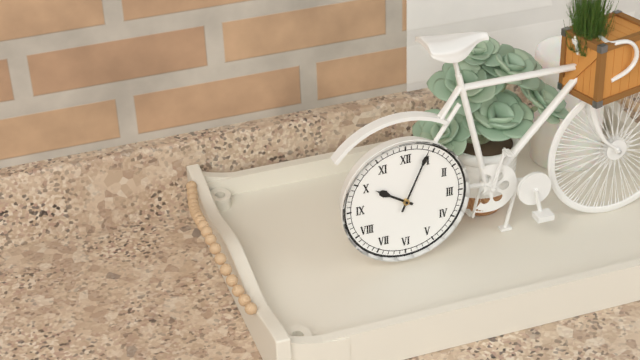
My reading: 10:04
